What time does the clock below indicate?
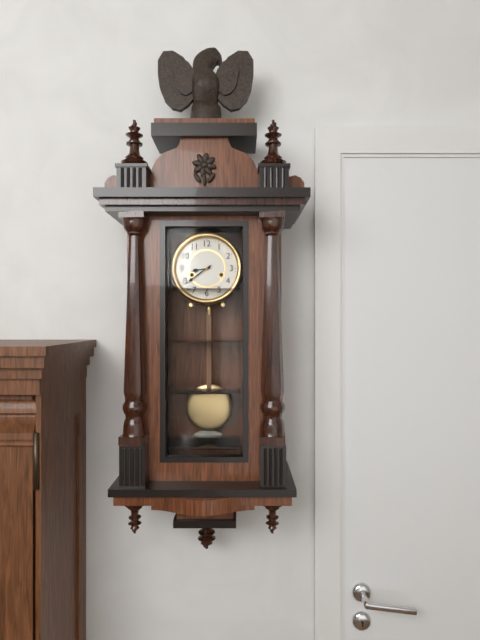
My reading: 8:39
